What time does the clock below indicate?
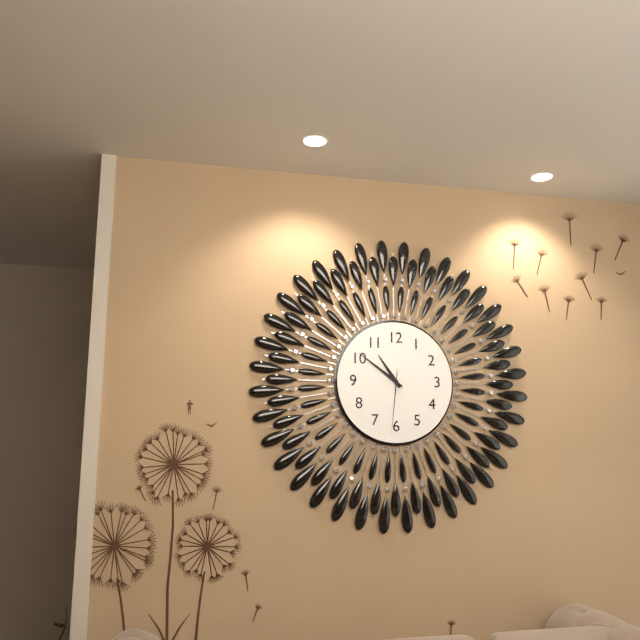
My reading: 10:51:31
